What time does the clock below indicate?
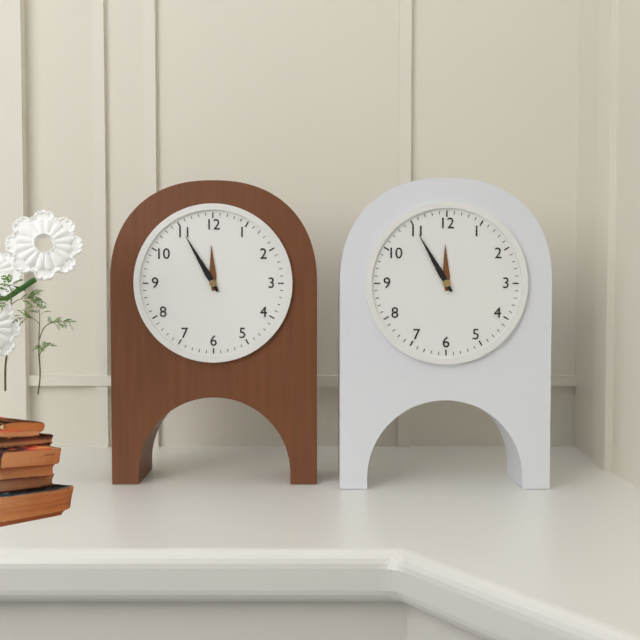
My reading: 11:55
